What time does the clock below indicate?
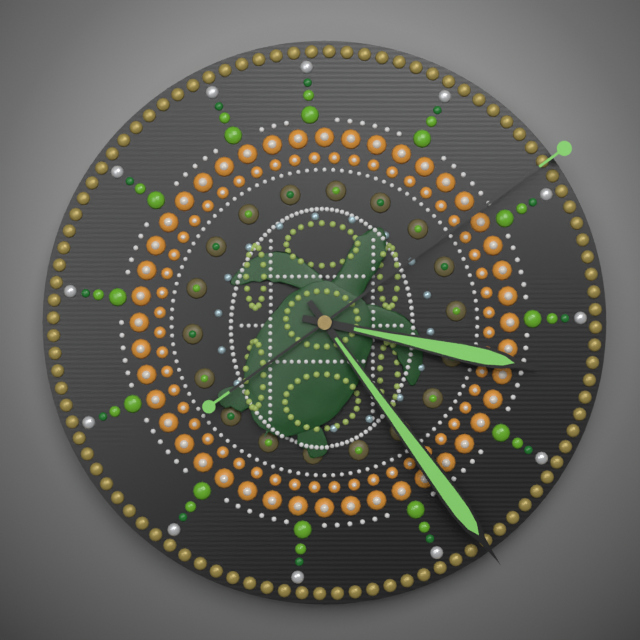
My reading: 3:24:09
